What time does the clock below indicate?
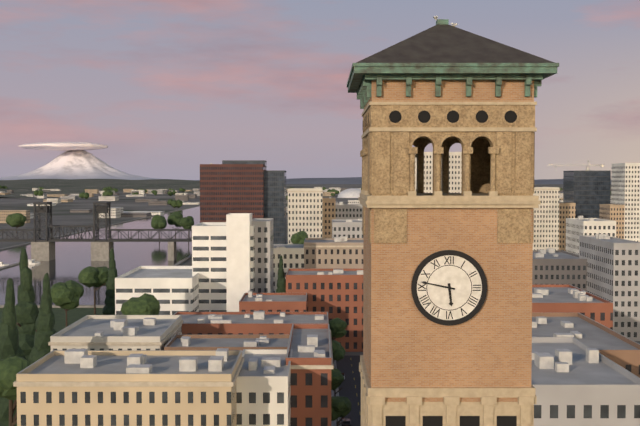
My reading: 5:47
